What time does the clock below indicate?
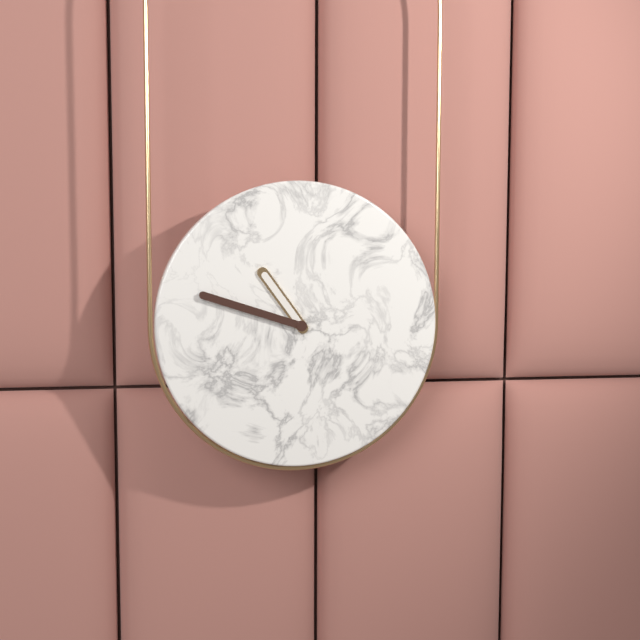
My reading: 10:48
